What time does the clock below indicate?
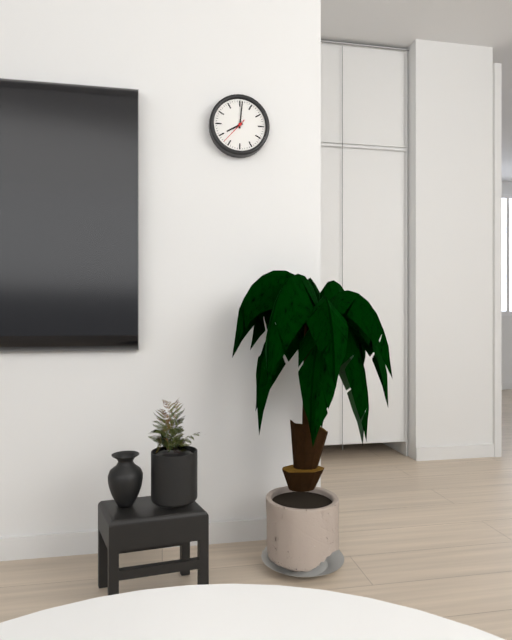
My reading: 8:01
